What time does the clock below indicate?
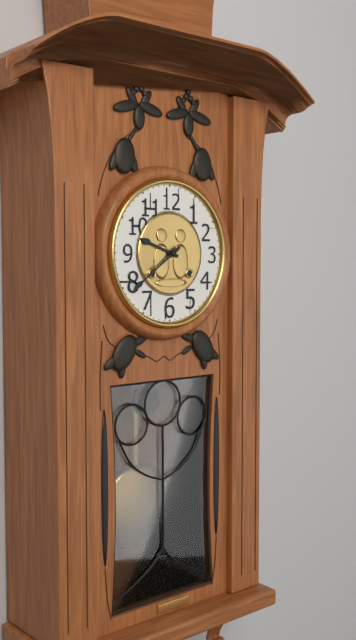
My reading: 9:39
